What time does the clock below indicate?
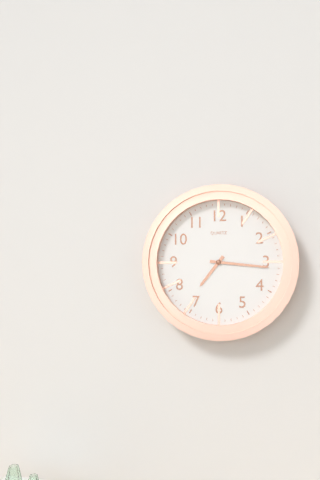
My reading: 7:16
